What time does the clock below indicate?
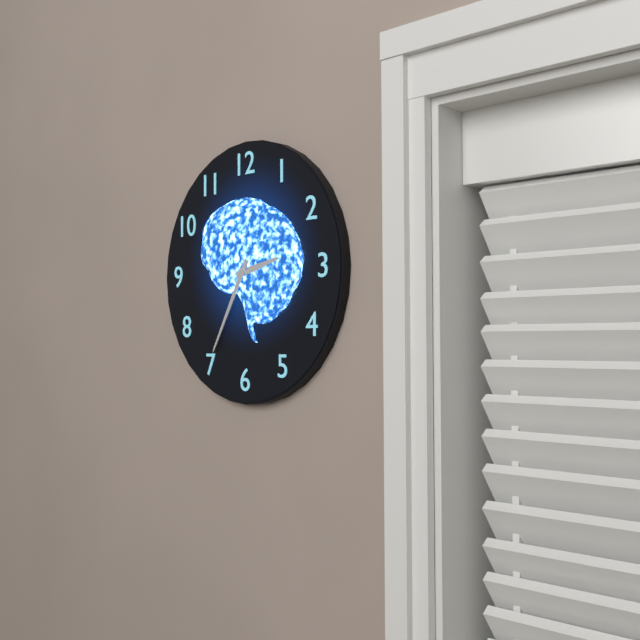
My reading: 2:35
